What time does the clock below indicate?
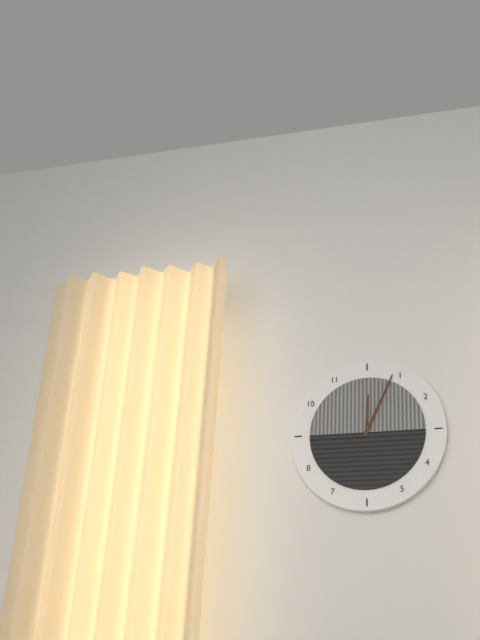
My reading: 12:04
